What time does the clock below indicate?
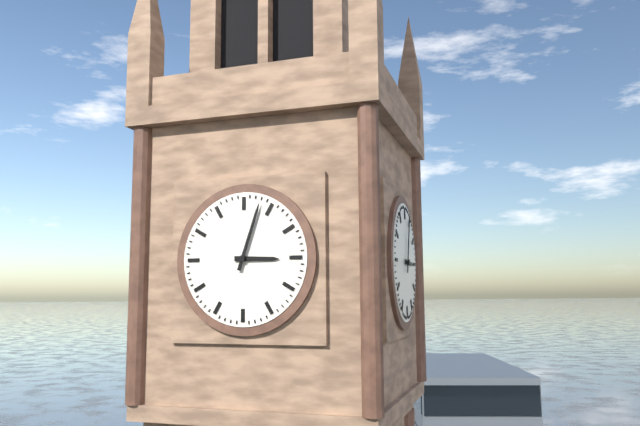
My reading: 3:03
